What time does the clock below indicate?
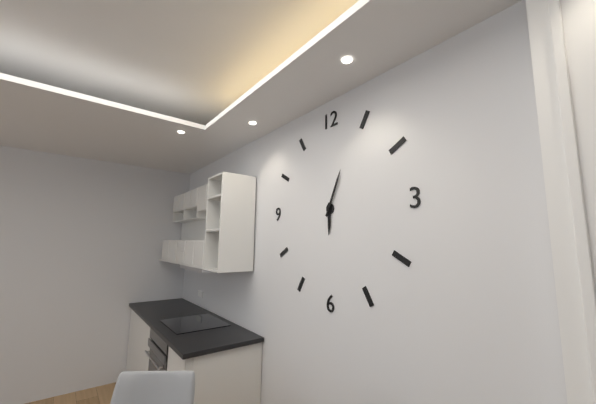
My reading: 6:04
